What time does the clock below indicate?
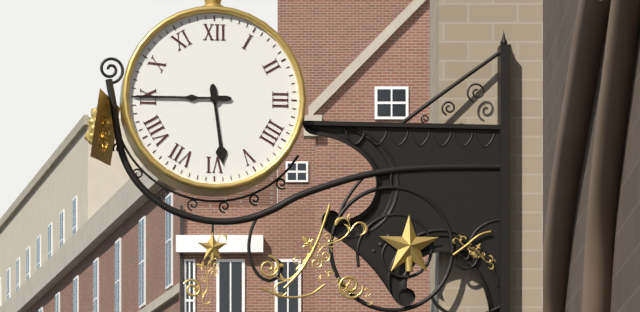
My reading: 5:45
